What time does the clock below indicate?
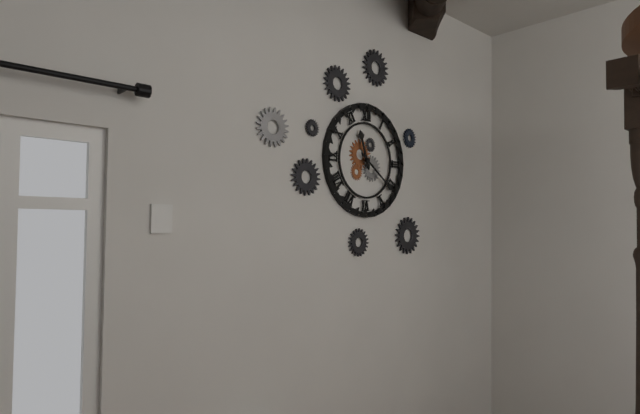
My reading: 11:21
